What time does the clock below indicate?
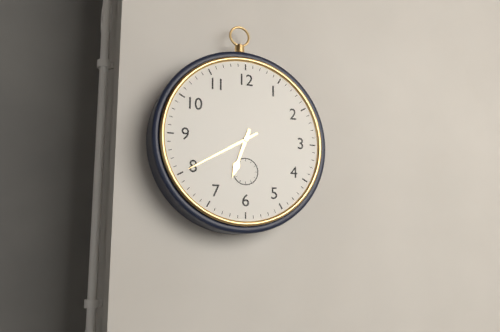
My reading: 6:40
